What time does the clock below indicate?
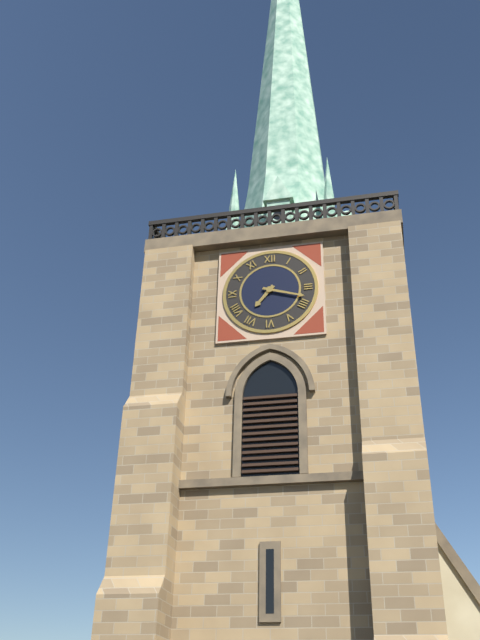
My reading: 7:18
